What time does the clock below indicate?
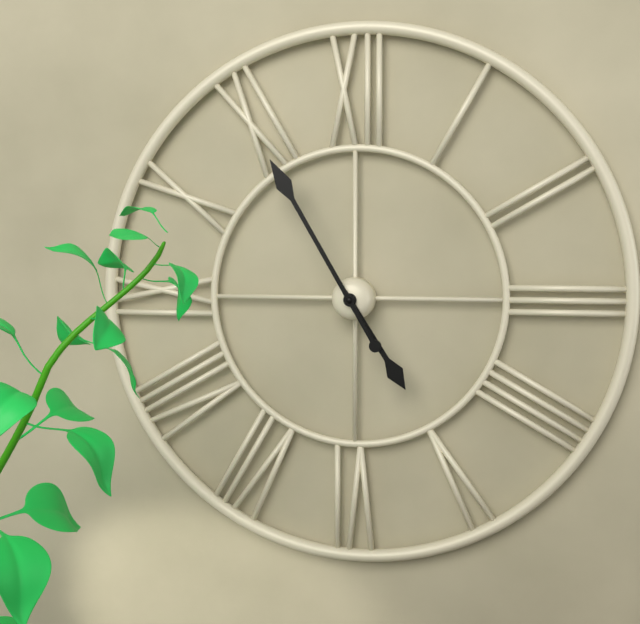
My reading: 4:55
